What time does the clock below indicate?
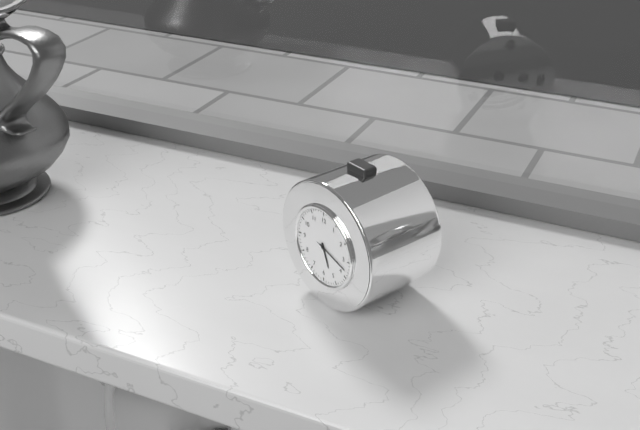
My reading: 5:18
